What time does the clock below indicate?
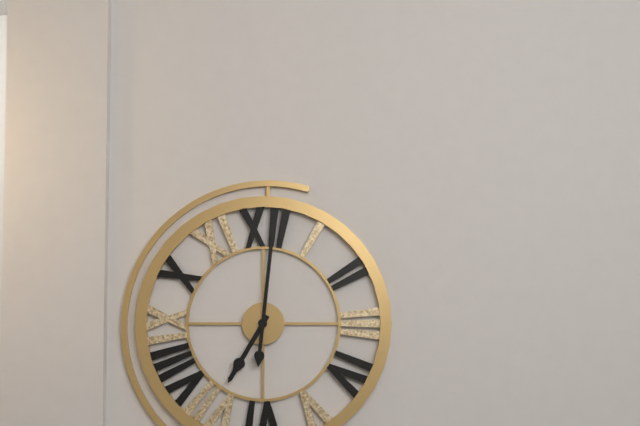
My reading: 7:01
